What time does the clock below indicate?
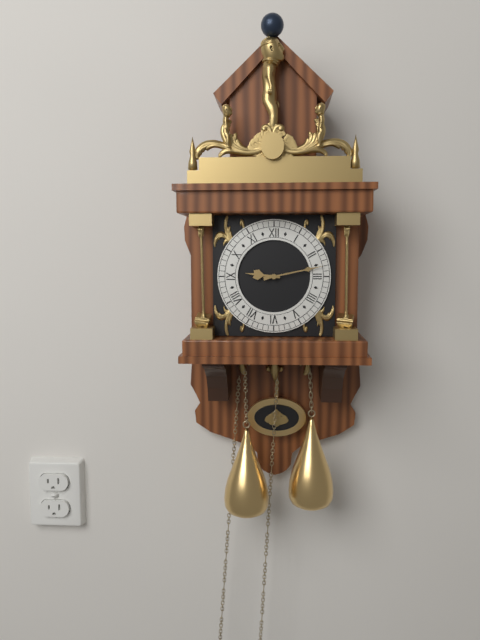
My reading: 9:13
